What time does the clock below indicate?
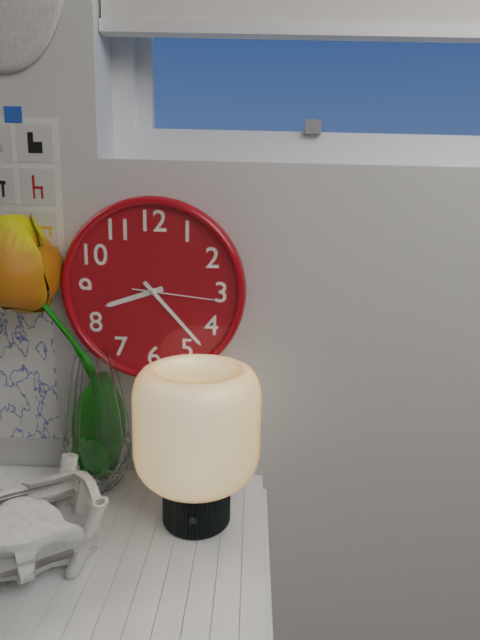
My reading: 8:23:16
